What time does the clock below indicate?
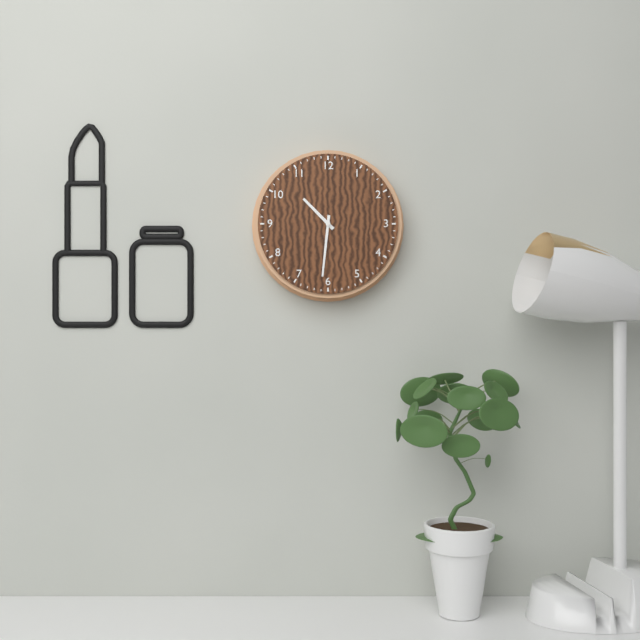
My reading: 10:31
